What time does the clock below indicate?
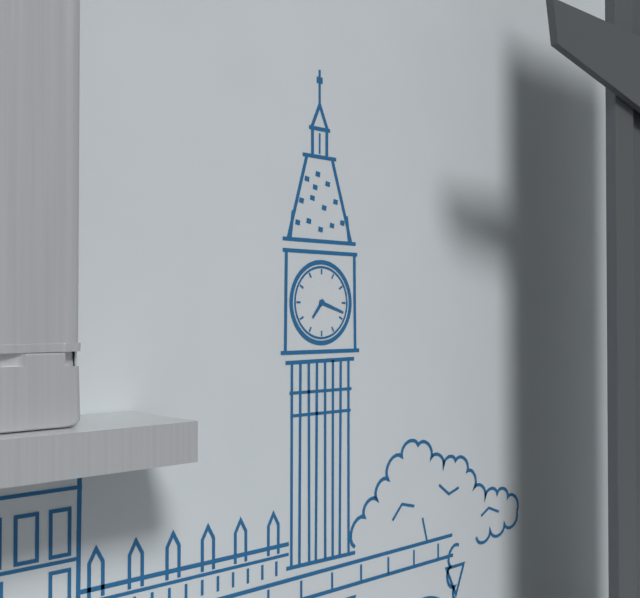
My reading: 7:18
